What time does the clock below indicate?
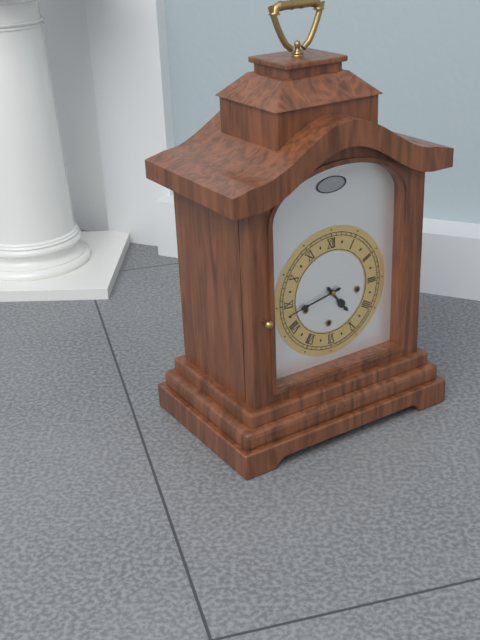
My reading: 4:43
